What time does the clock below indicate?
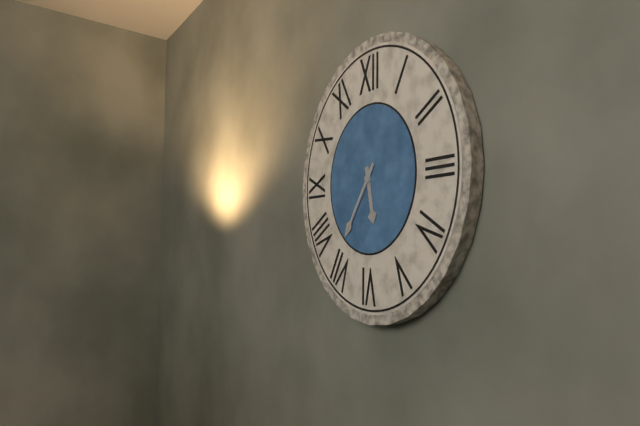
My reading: 5:36
